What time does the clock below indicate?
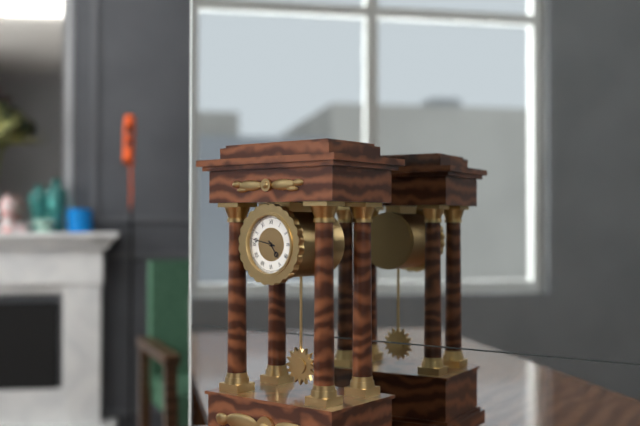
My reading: 4:47
